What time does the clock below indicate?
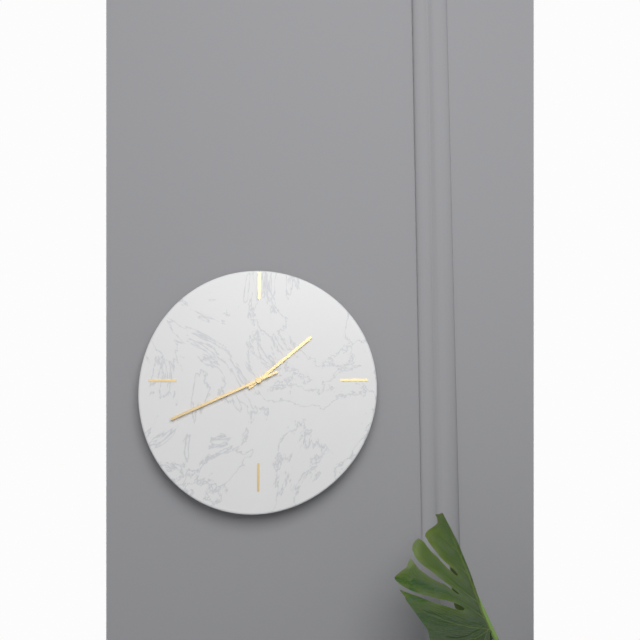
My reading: 1:41
